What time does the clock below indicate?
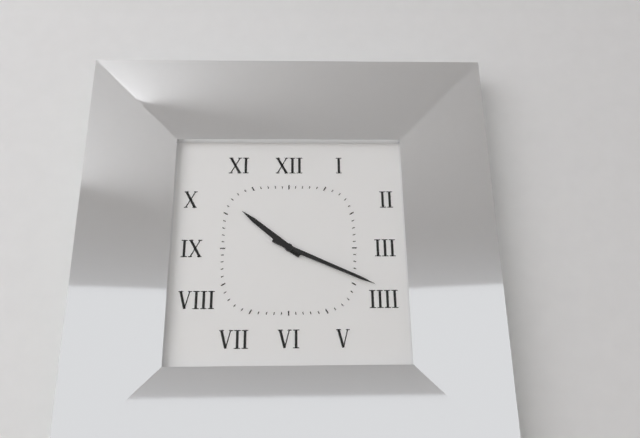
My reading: 10:19
